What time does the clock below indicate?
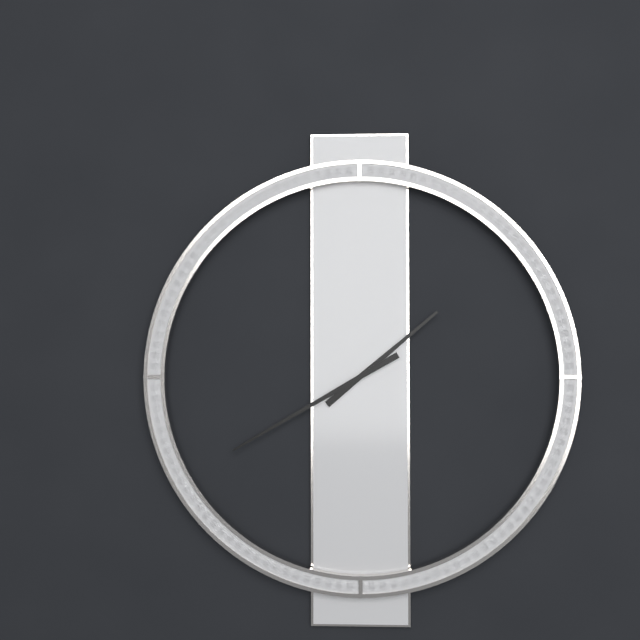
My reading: 1:40
